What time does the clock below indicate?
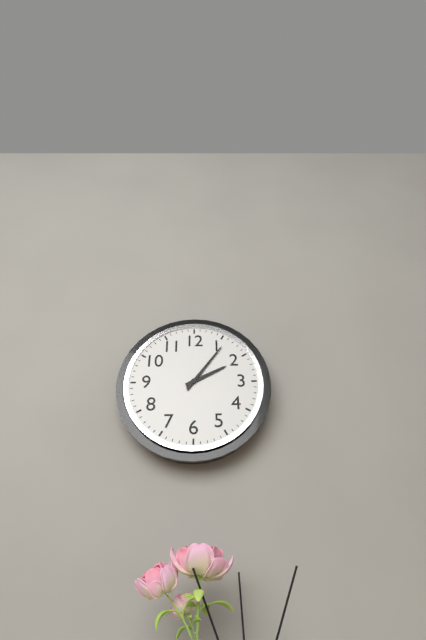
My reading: 2:06
